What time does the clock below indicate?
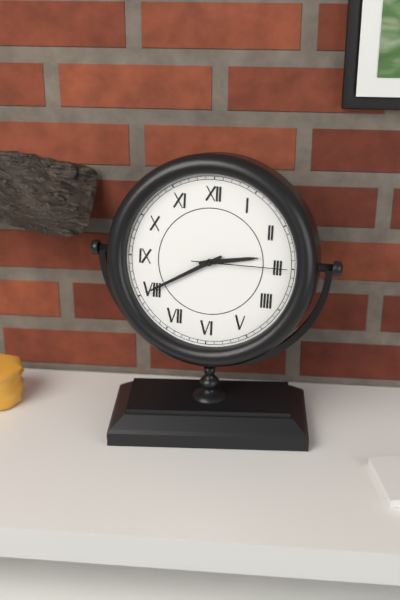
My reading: 2:40:15
